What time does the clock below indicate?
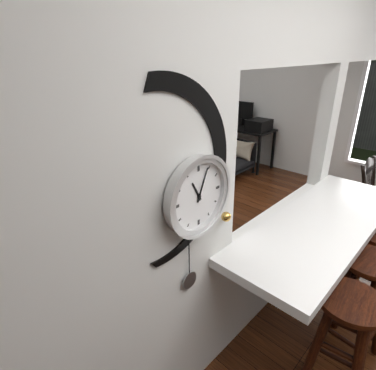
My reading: 11:04
